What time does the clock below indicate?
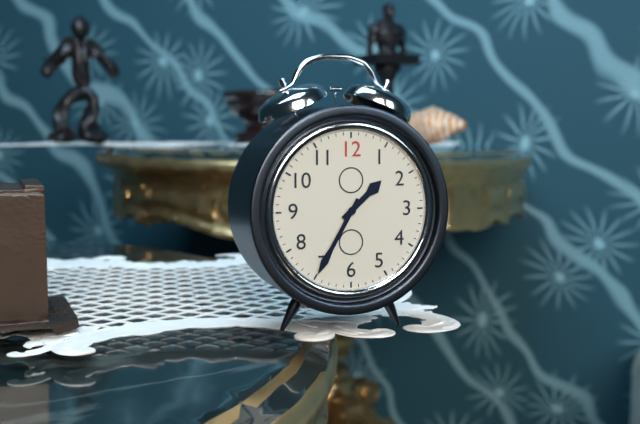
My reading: 1:35
